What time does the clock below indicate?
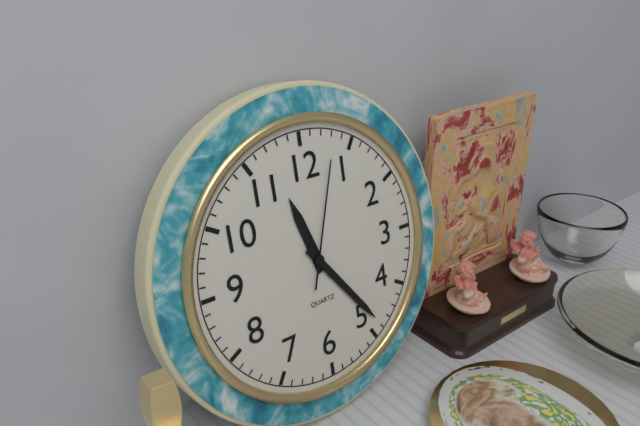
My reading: 11:24:03
